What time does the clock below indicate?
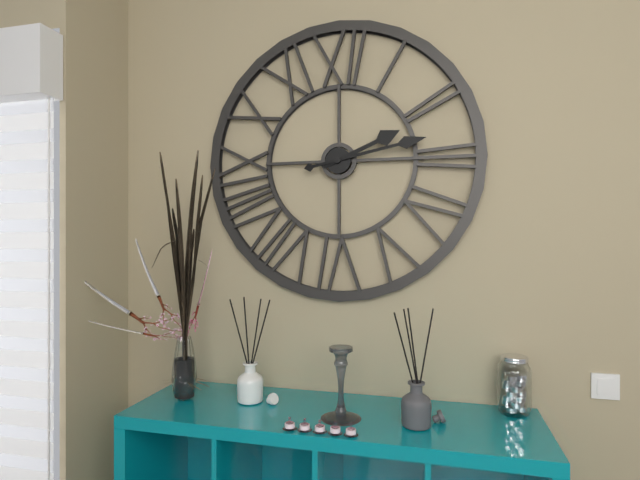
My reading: 2:13
